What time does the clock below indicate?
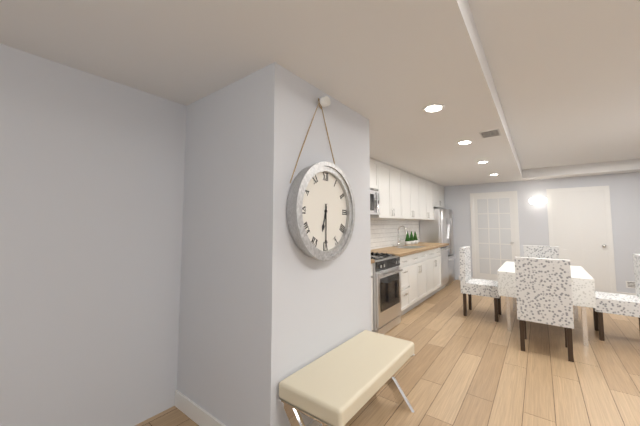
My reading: 6:30
